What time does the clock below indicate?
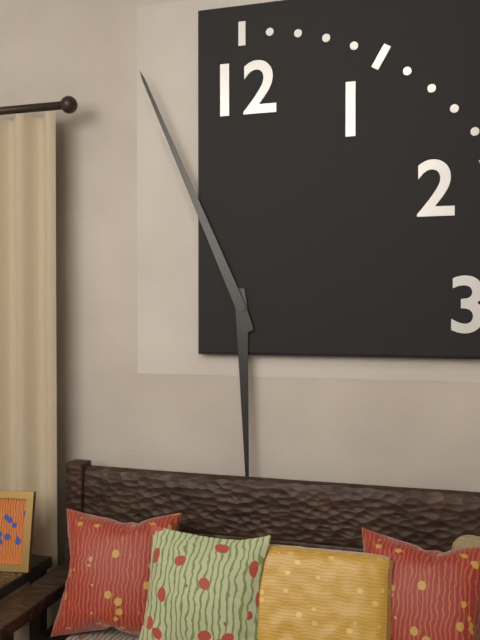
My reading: 5:56
